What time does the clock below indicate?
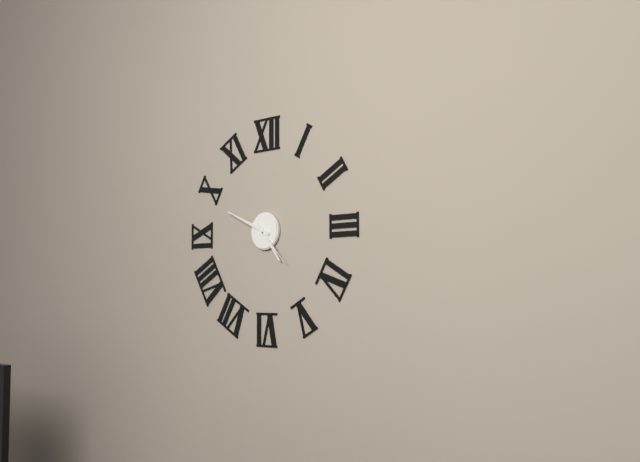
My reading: 4:49
